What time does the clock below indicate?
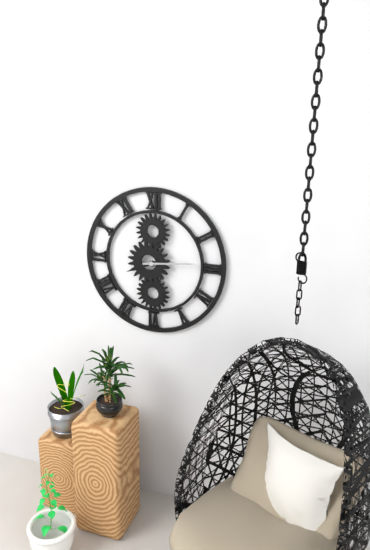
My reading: 8:14
